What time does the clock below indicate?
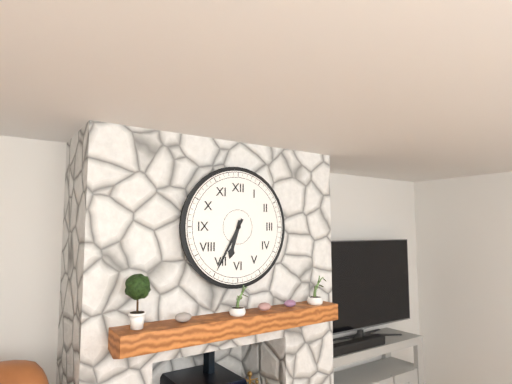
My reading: 6:35
